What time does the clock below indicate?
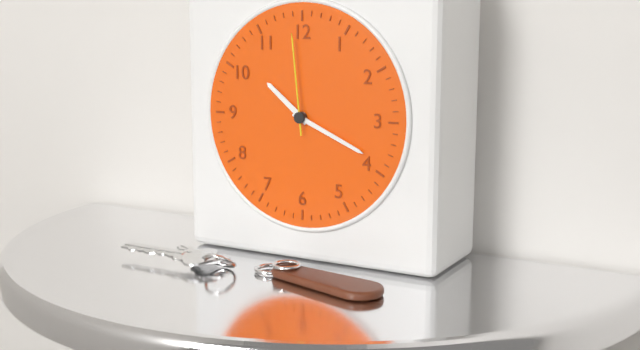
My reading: 10:19:59
